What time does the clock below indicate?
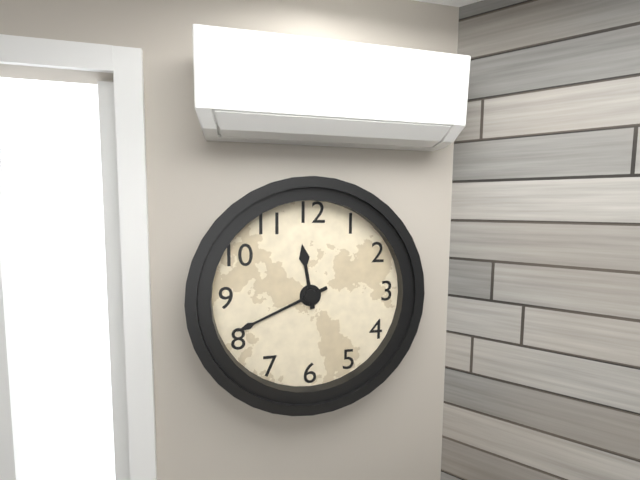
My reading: 11:41
